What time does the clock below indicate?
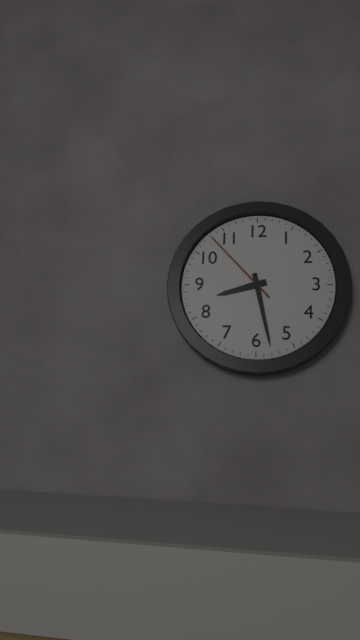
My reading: 8:28:53
